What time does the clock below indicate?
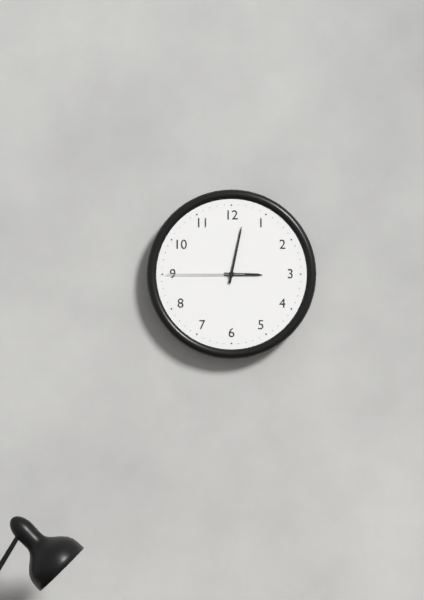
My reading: 3:02:45
